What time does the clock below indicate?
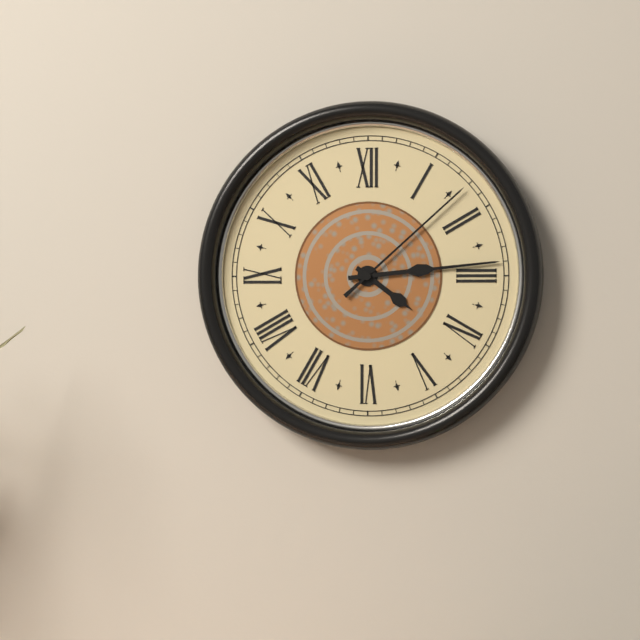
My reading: 4:14:08
